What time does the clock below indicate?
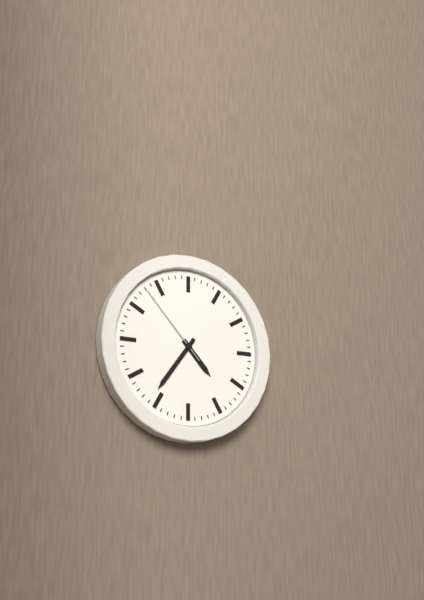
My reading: 4:36:53
